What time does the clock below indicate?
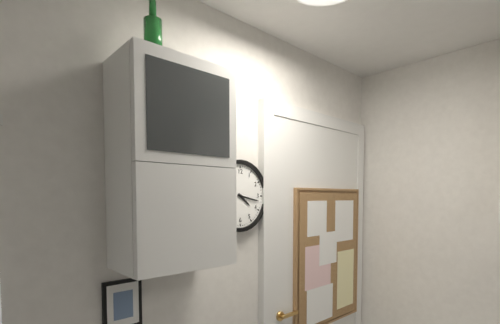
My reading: 4:17
